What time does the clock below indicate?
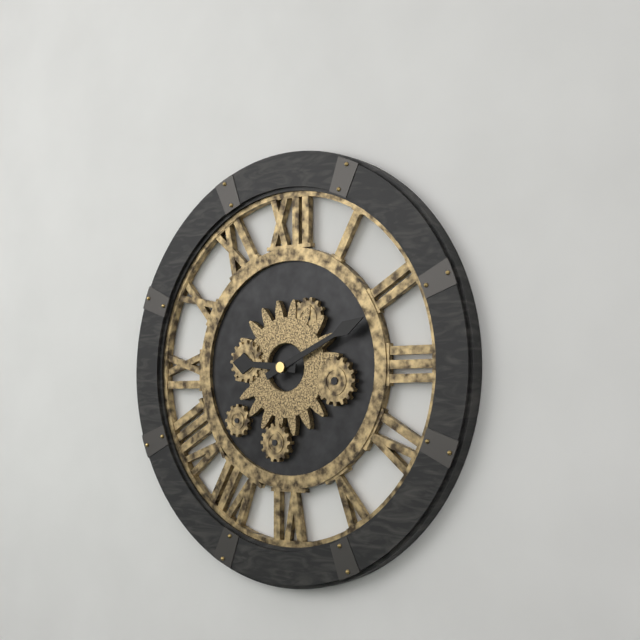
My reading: 9:11
